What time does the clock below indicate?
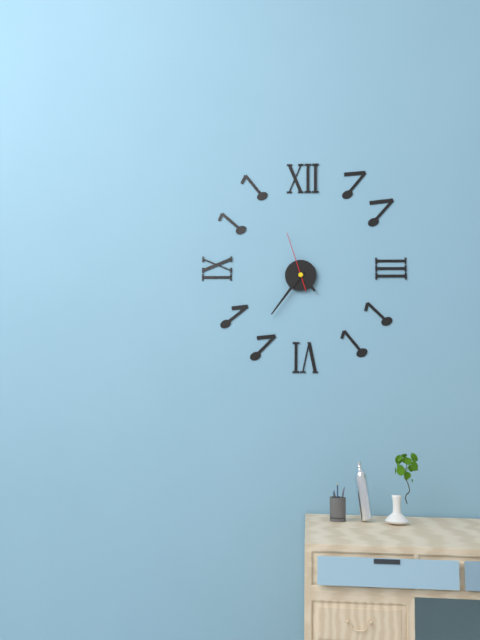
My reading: 4:36:57
